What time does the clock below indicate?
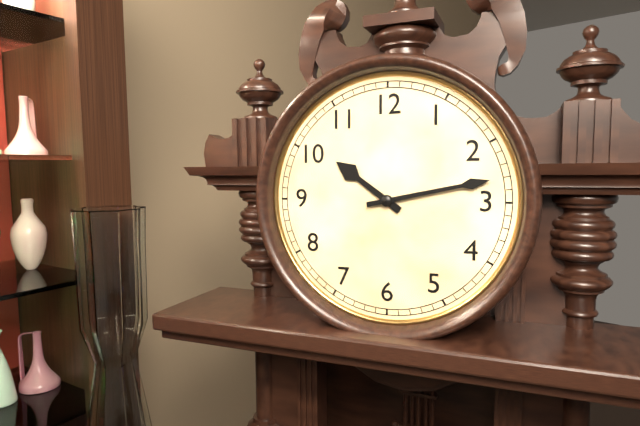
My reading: 10:13
